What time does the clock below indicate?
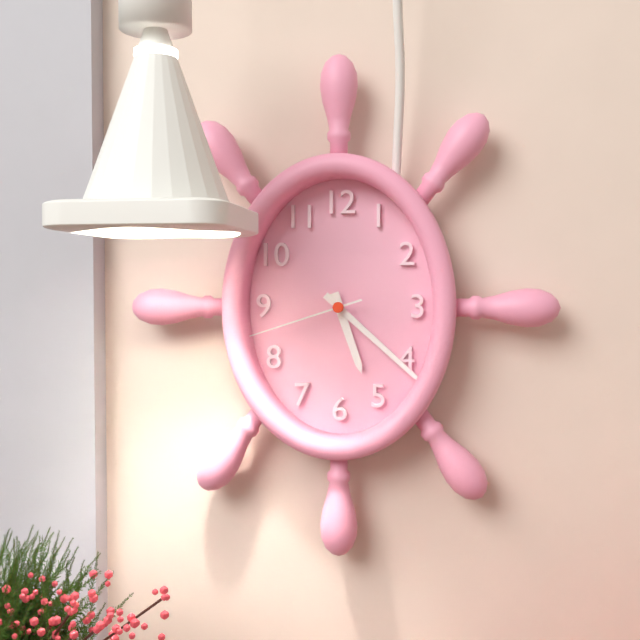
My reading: 5:22:42
